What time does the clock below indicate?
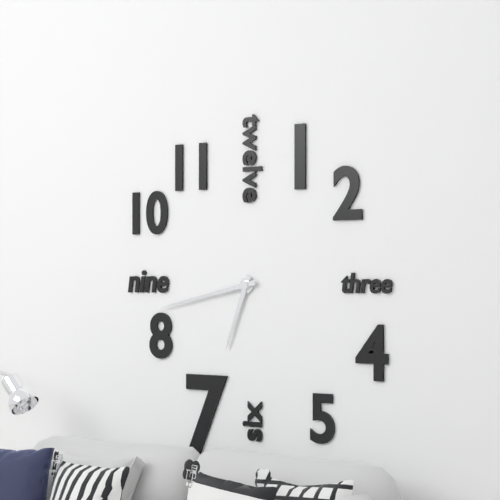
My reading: 6:43
